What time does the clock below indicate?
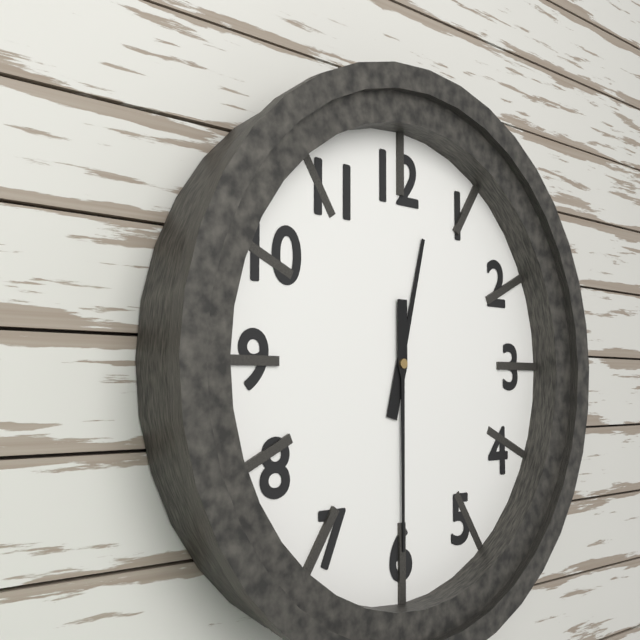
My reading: 12:30
